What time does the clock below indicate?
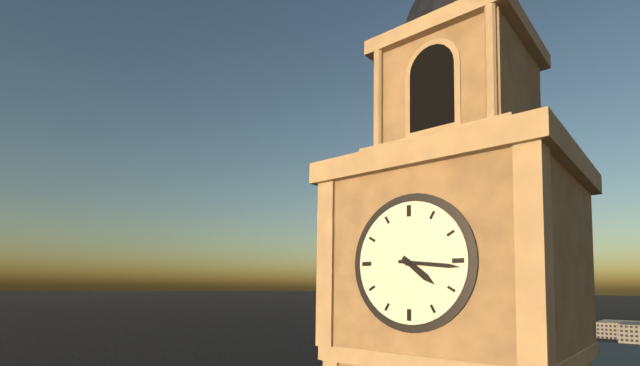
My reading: 4:16
